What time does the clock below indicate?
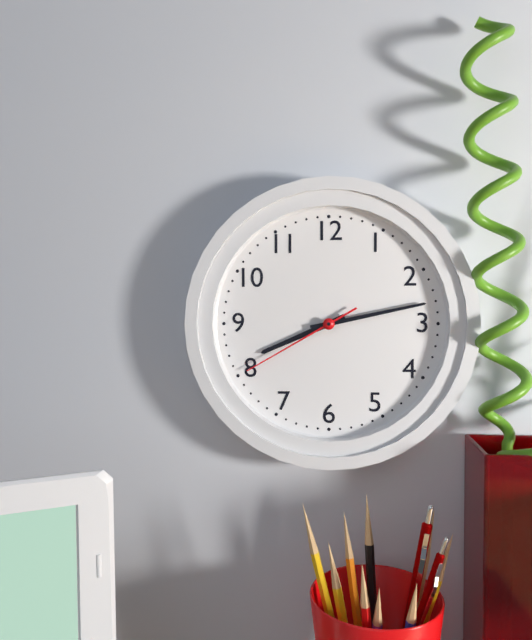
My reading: 8:13:40
